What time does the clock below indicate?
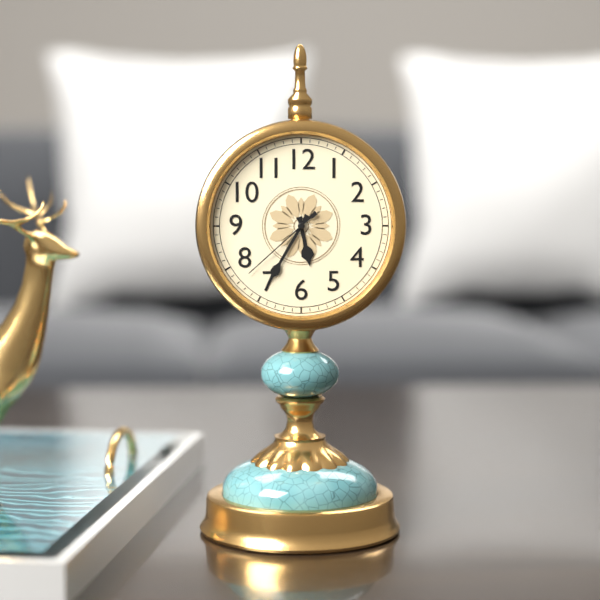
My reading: 5:35:38
